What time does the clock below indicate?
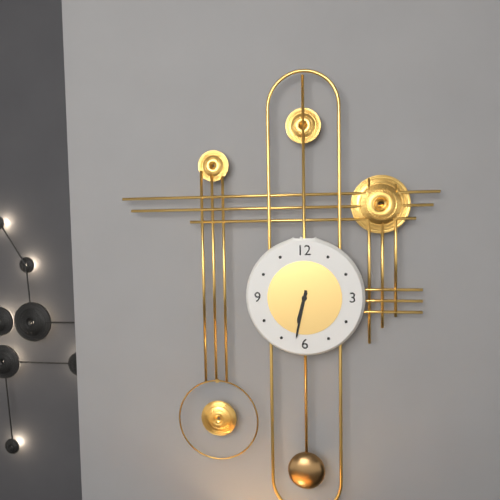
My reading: 6:32
